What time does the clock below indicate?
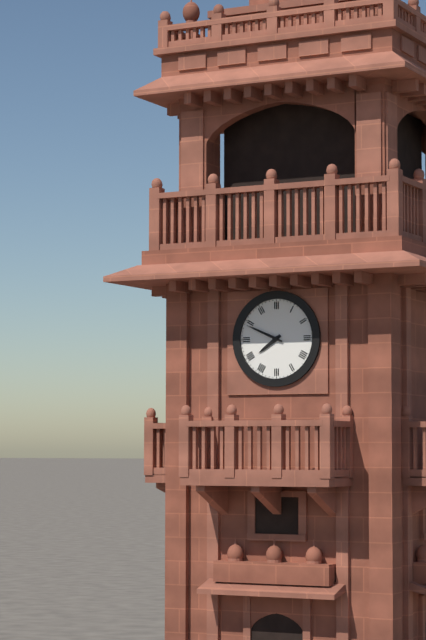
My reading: 7:49
